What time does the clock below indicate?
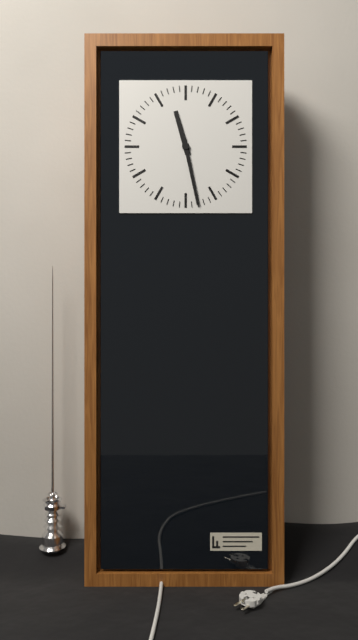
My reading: 11:28
